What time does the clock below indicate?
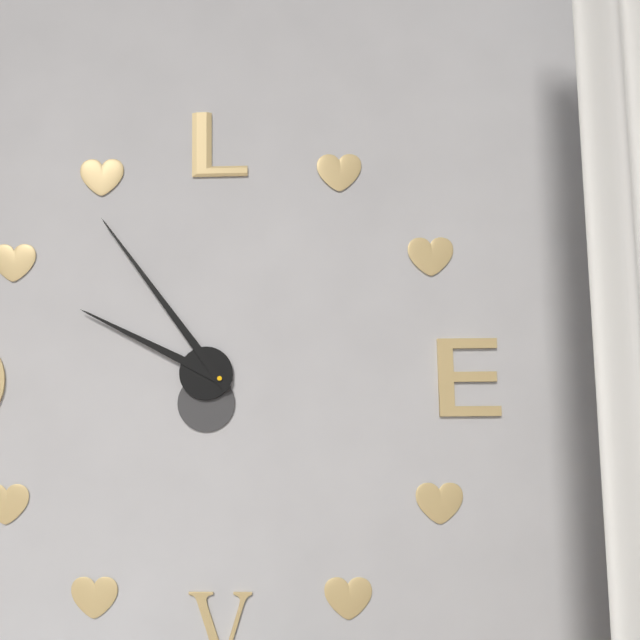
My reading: 9:54
